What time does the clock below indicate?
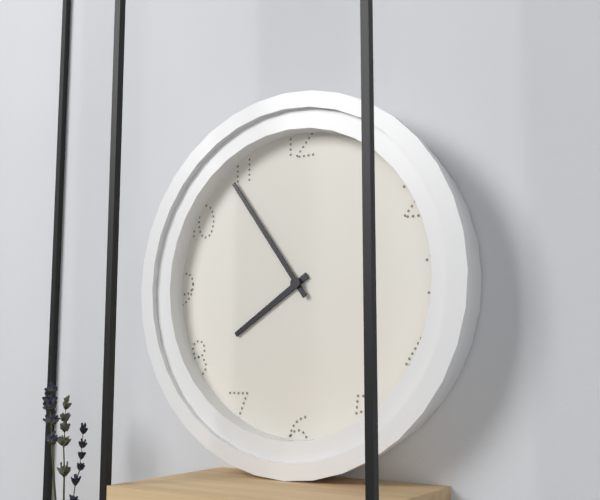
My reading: 7:54
